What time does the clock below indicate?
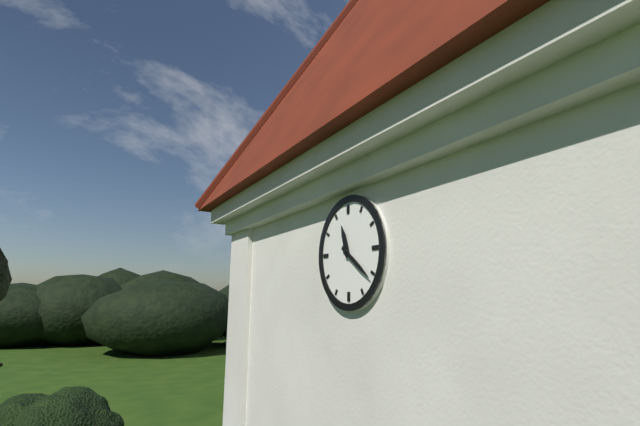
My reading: 11:21
